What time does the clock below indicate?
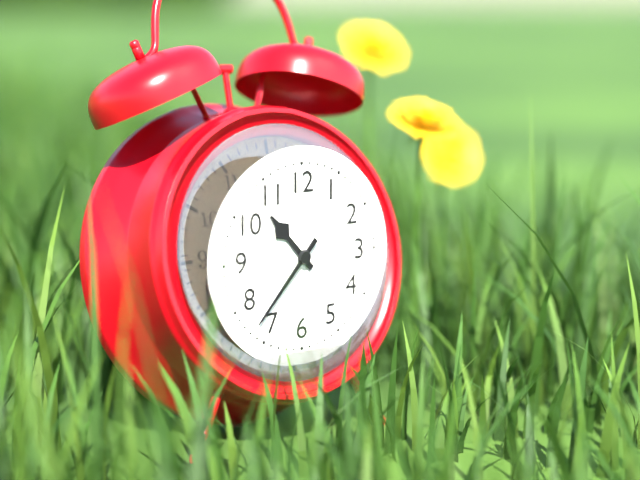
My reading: 10:37
